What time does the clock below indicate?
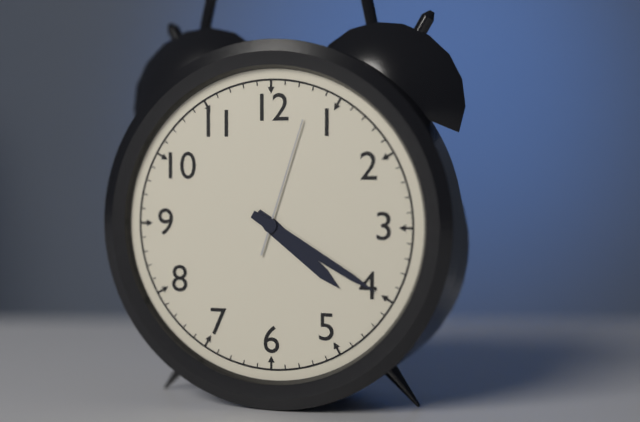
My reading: 4:20:03
